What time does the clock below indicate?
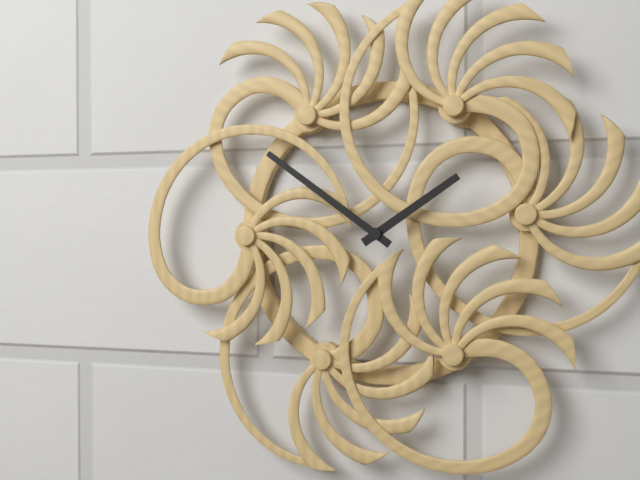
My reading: 1:51
